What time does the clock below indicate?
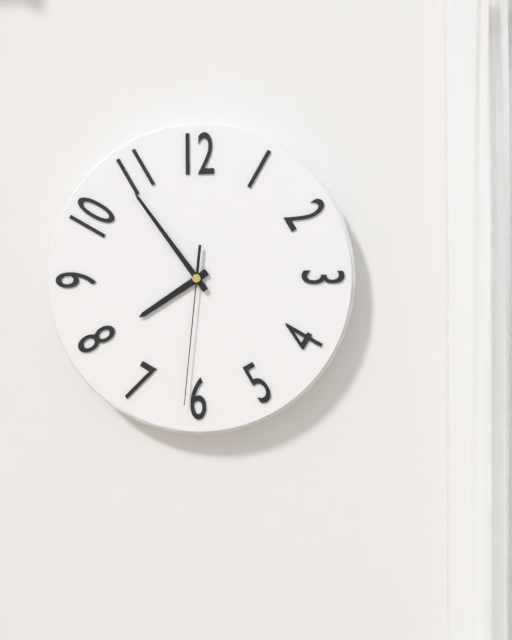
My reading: 7:54:31
